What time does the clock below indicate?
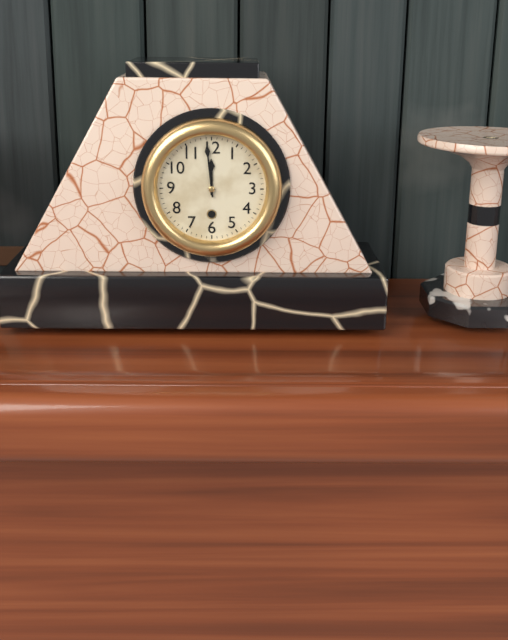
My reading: 11:59
